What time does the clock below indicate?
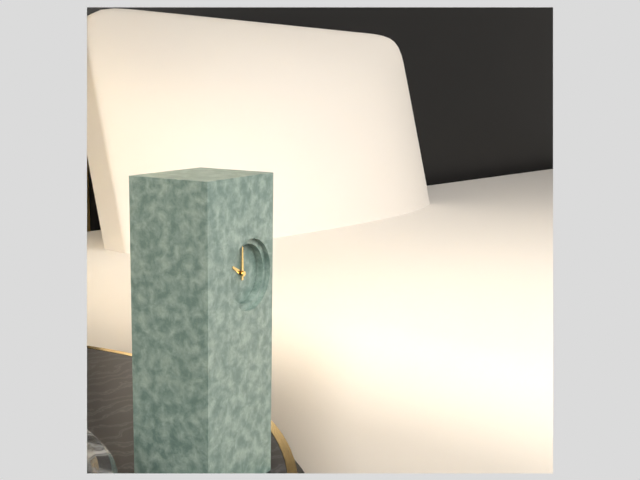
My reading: 10:00
